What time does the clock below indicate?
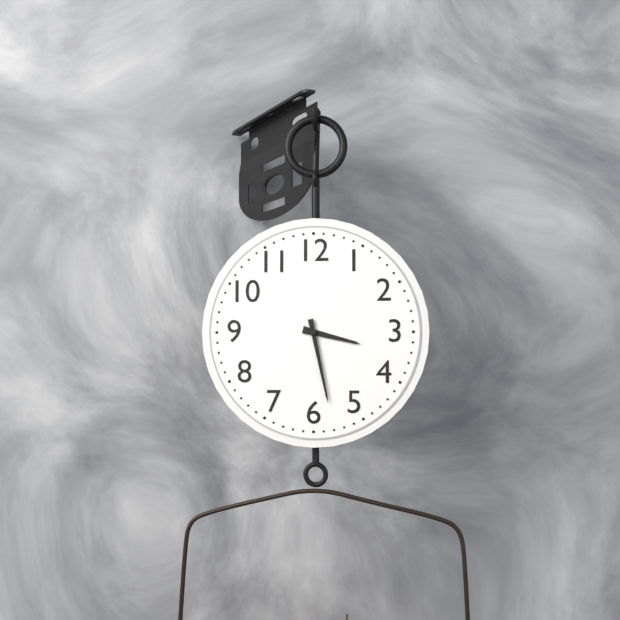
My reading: 3:28
